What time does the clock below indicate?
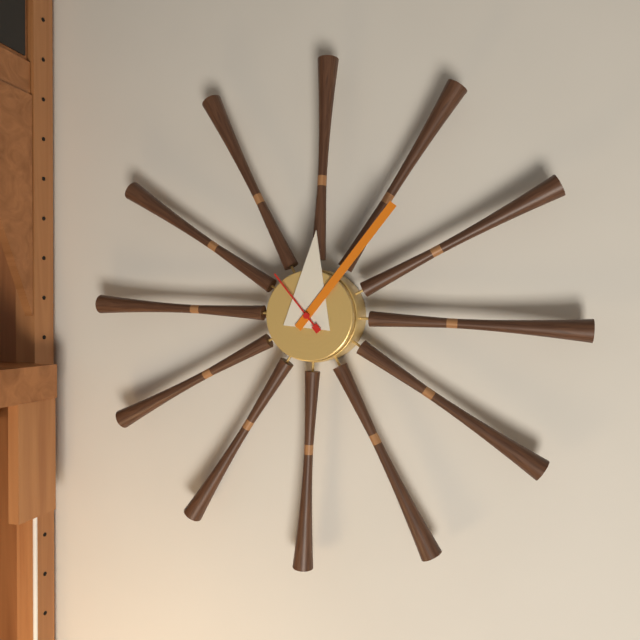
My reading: 12:06:53
